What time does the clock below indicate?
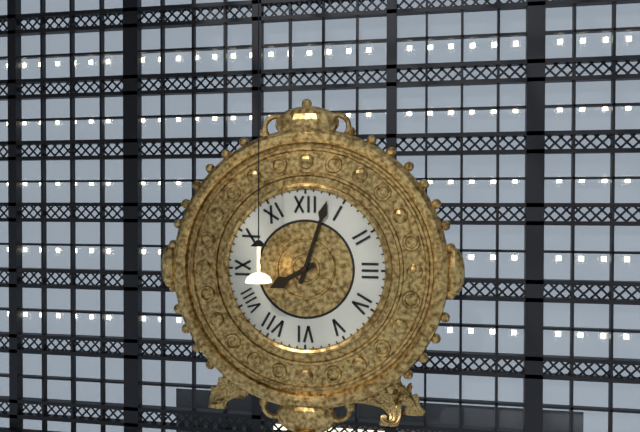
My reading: 8:03
